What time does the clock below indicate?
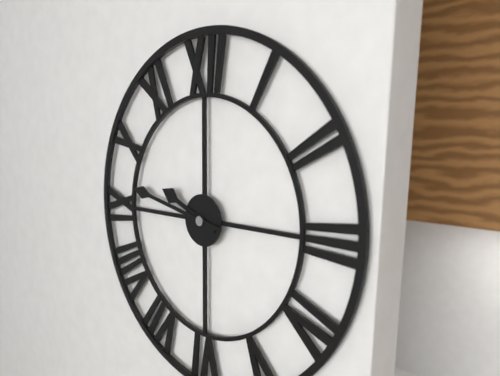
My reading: 9:47
